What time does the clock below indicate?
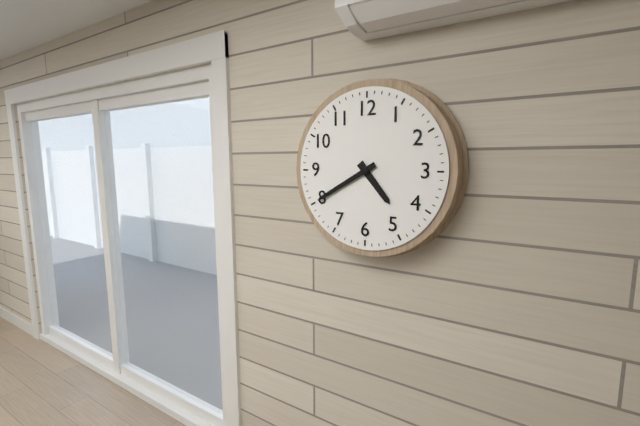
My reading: 4:40
